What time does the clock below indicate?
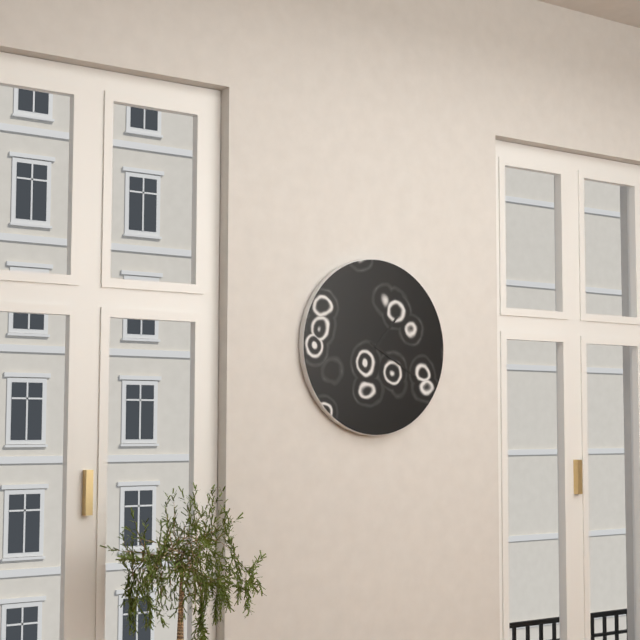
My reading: 1:20
